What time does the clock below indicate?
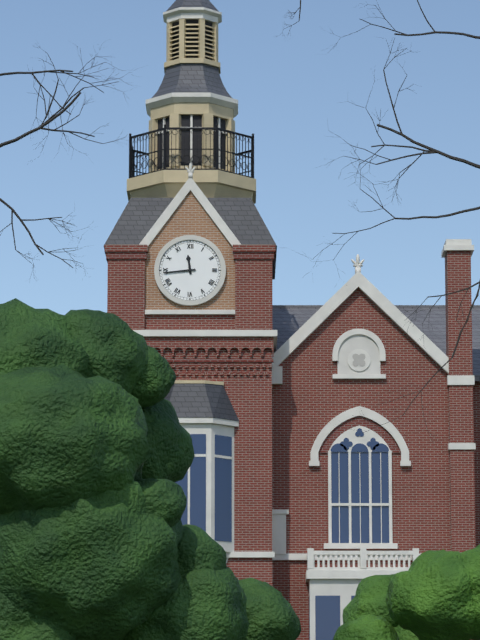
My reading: 11:44
